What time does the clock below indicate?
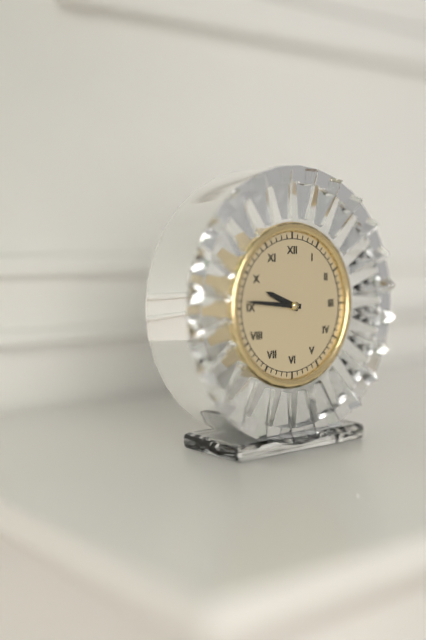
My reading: 9:46
